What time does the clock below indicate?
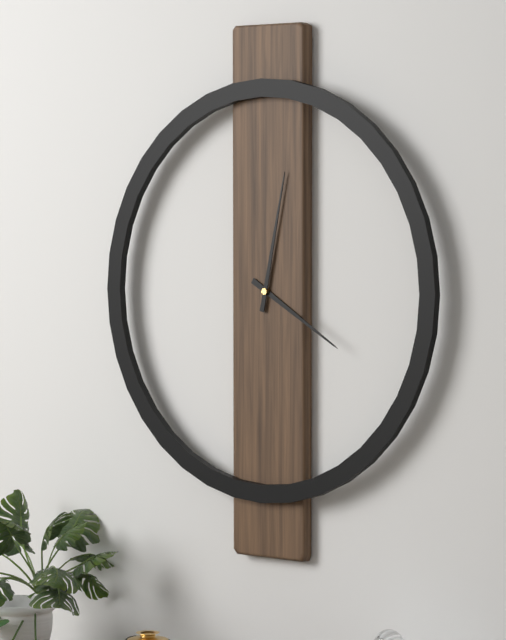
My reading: 4:02
